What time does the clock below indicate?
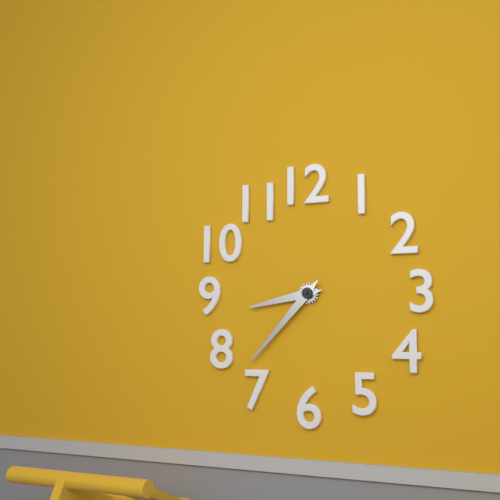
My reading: 8:37
